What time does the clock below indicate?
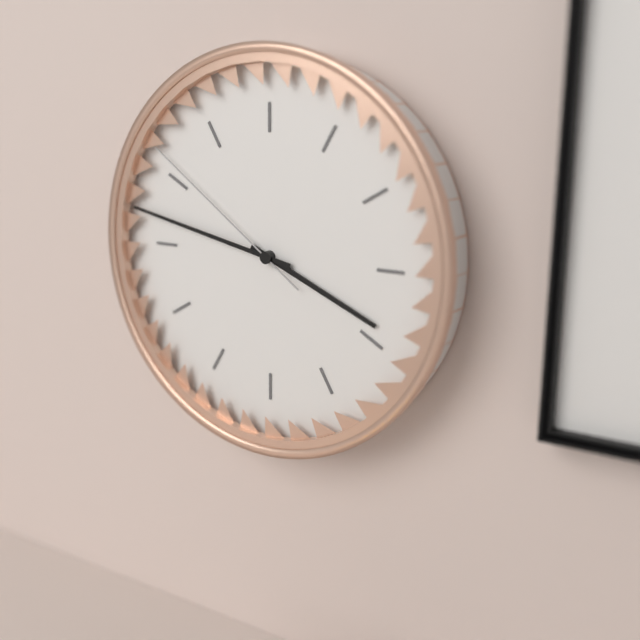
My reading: 3:47:51
